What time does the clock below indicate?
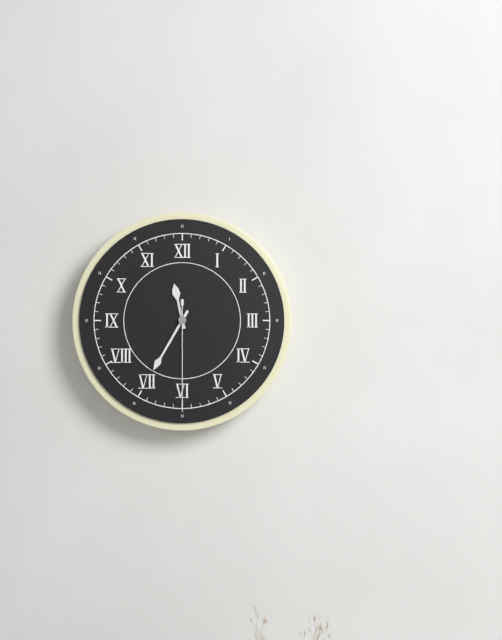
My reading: 11:35:30
